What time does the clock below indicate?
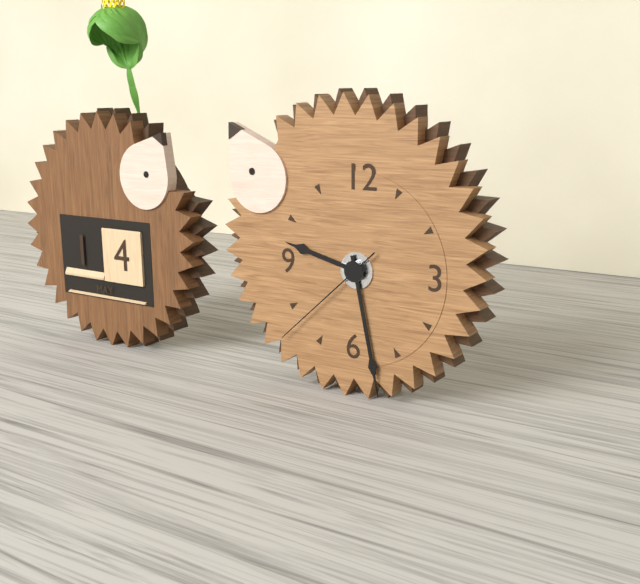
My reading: 9:28:38
